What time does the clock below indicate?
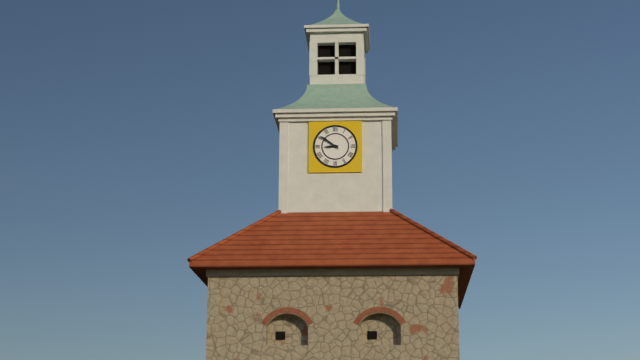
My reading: 8:51
